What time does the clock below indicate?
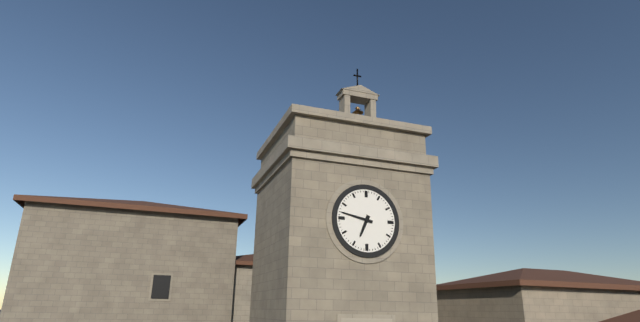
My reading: 6:47
